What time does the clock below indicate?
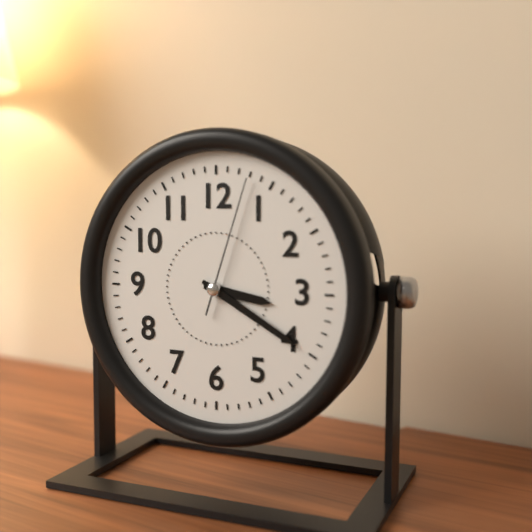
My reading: 3:20:03
